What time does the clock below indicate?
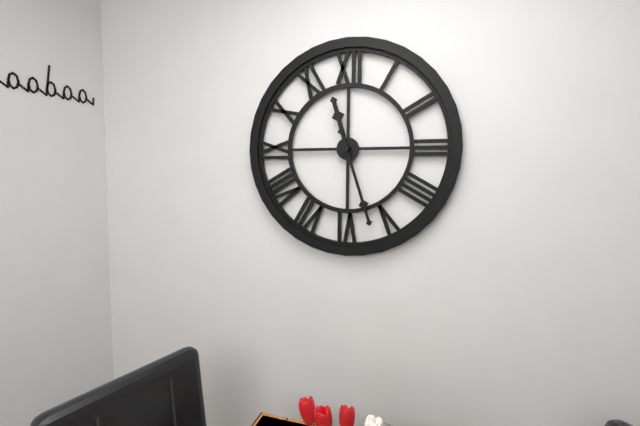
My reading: 11:27
